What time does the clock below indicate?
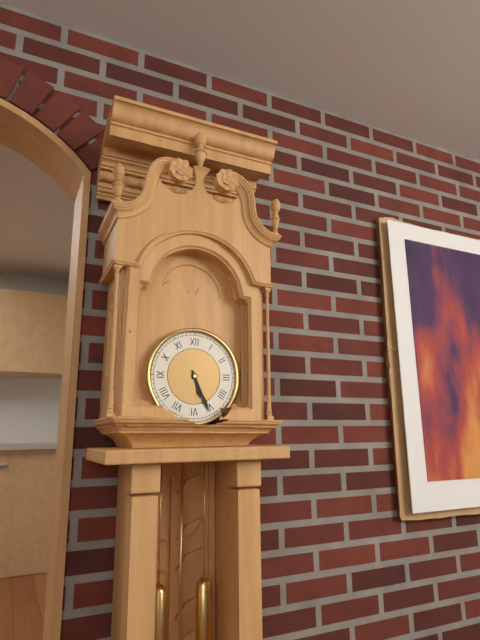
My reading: 5:26
